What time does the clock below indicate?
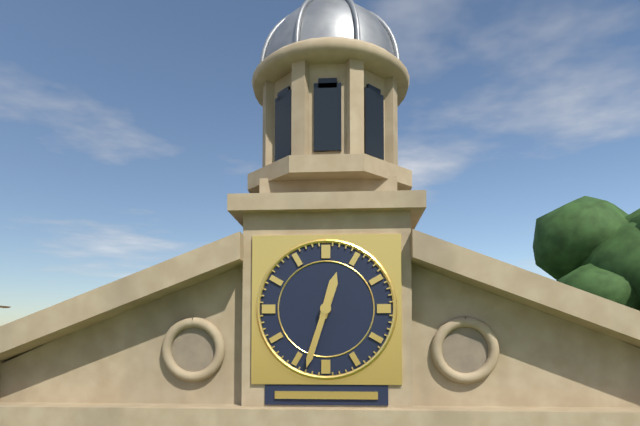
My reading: 12:33
